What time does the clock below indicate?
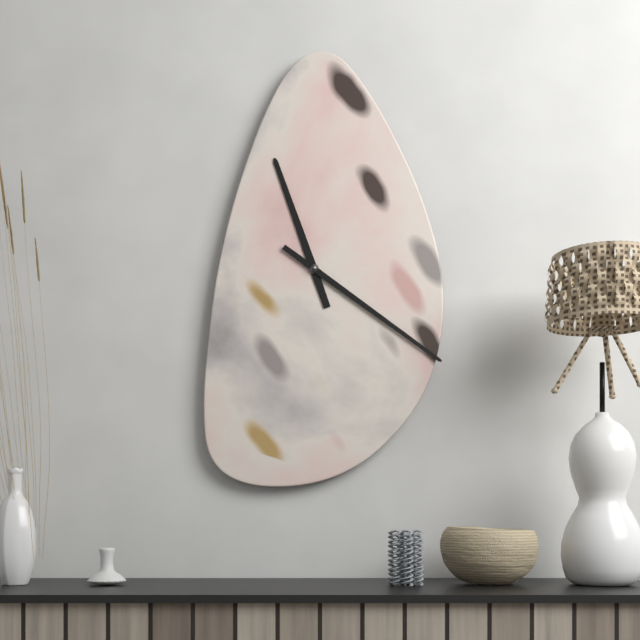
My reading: 11:21
